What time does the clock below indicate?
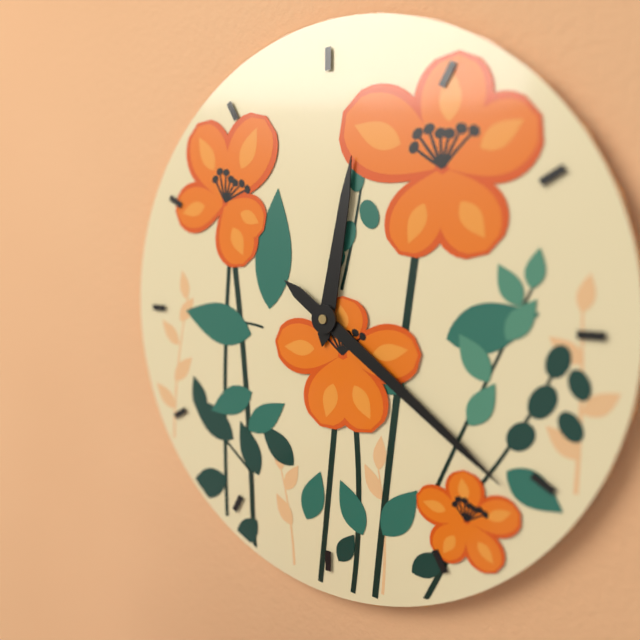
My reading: 12:21
